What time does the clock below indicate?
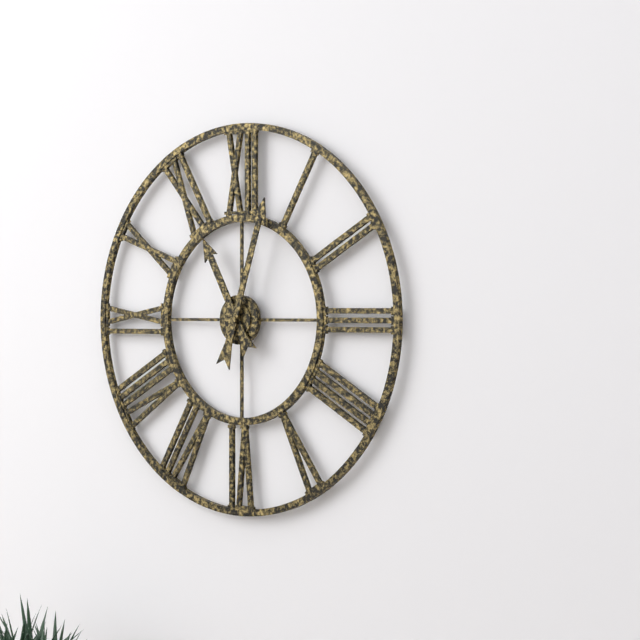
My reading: 11:03
